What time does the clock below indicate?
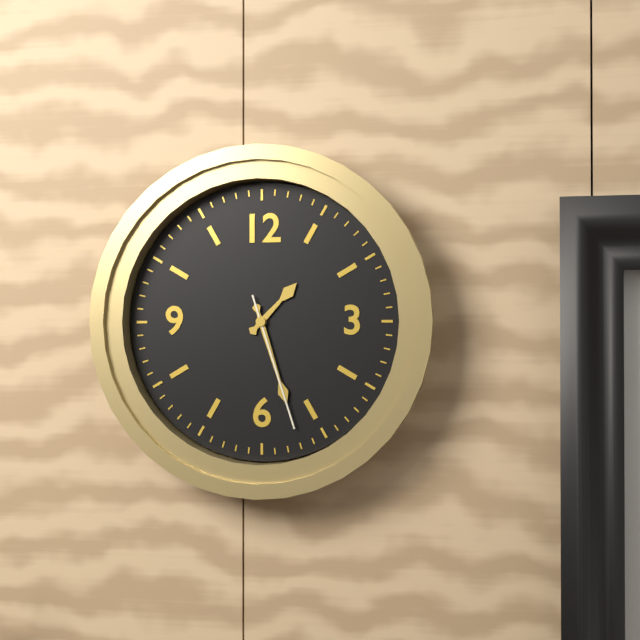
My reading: 1:27:27
